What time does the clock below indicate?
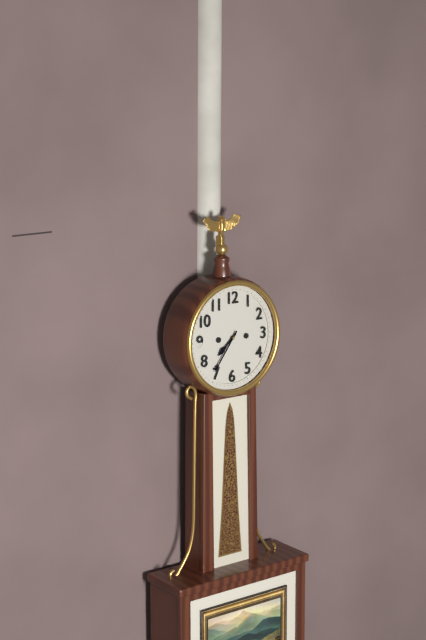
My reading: 7:36
